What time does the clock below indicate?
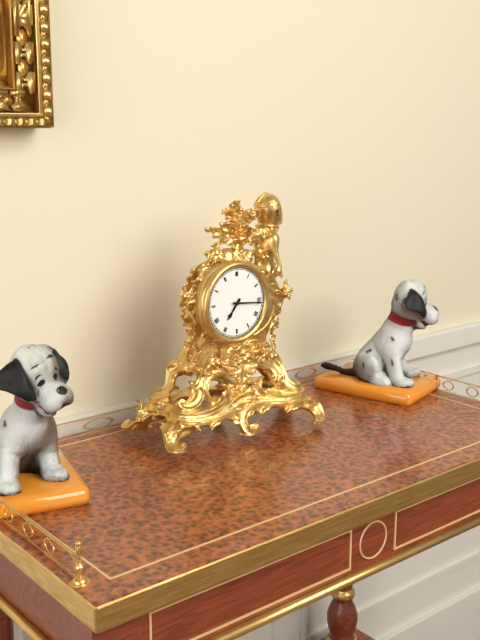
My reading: 7:16
